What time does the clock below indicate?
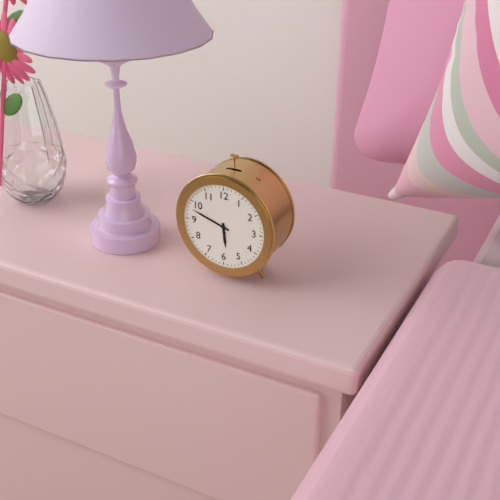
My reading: 5:48
